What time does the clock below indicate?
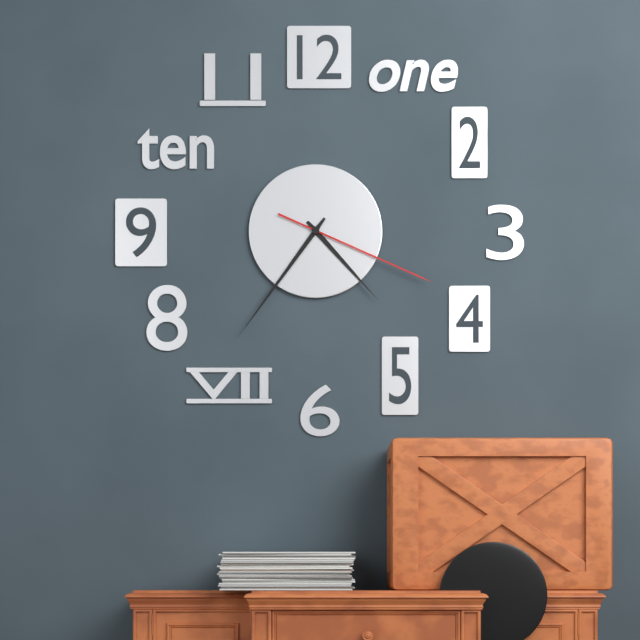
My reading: 4:36:19
